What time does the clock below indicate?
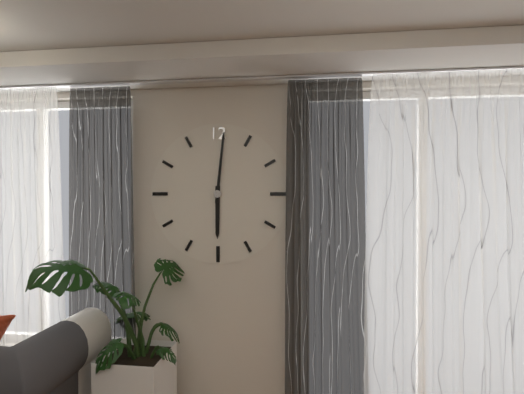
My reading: 6:01
